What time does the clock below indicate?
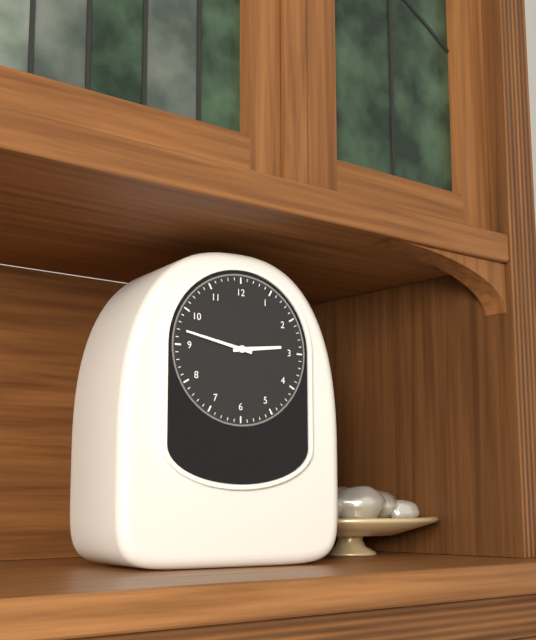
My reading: 2:47
